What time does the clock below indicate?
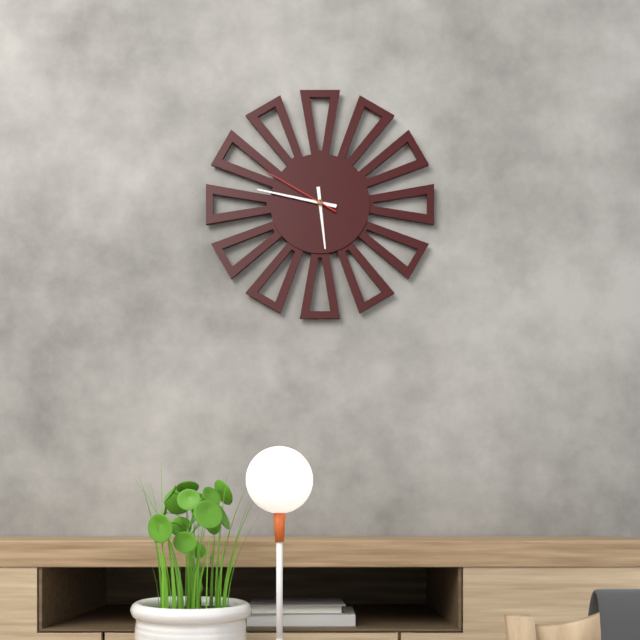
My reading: 5:47:50
